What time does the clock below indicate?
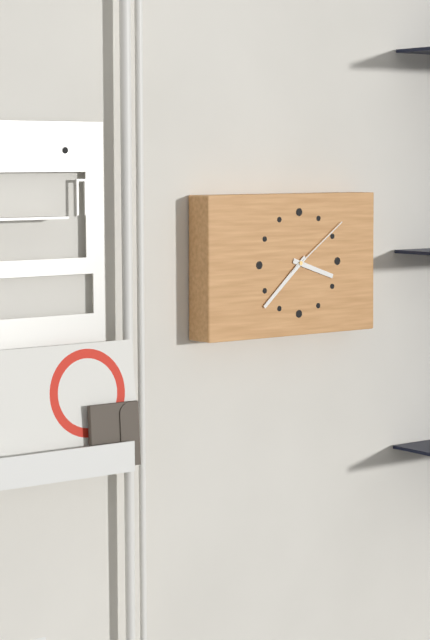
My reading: 3:38:09
